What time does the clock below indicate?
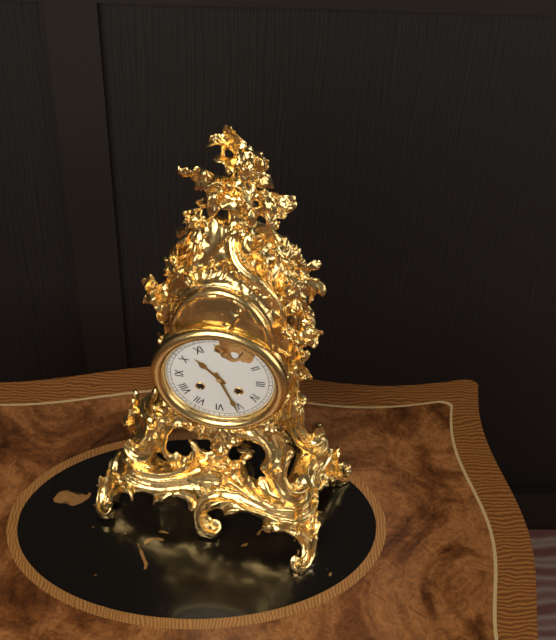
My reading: 10:26
